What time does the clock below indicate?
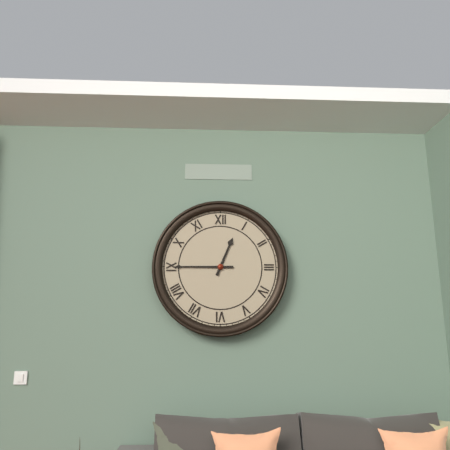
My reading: 12:45
